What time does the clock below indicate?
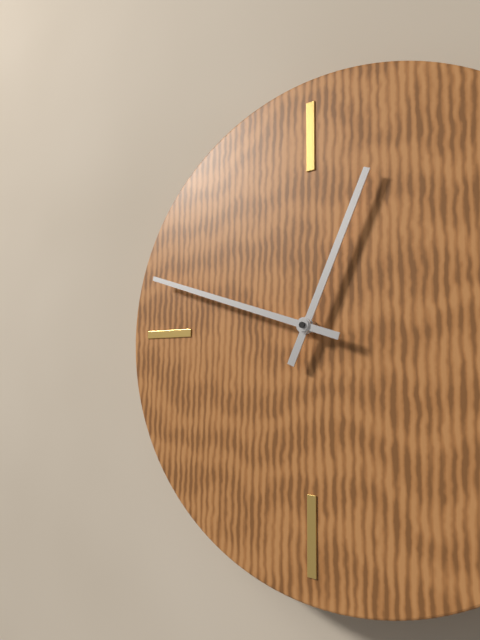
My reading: 12:48
